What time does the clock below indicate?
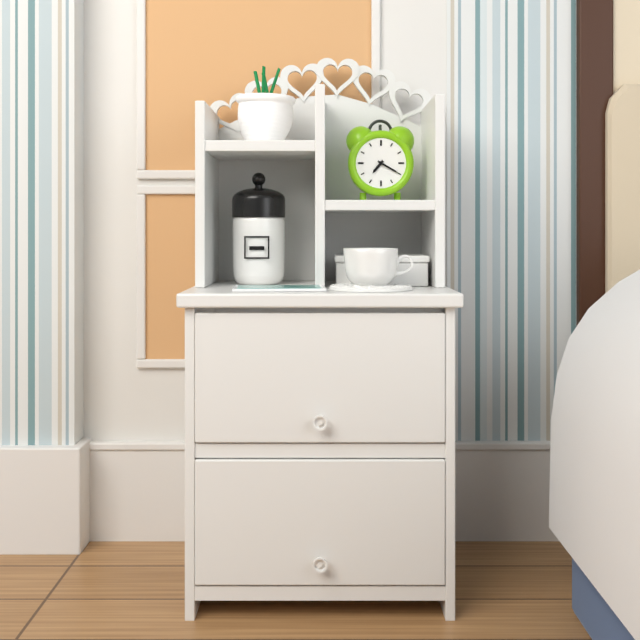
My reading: 7:20
